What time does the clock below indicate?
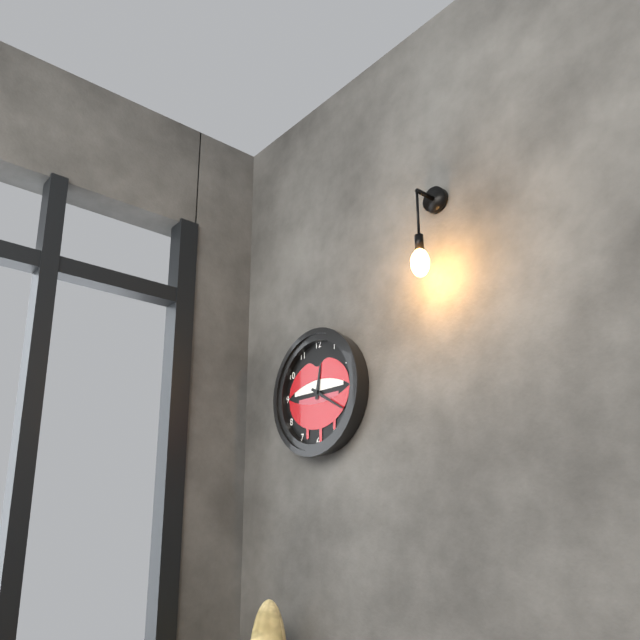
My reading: 12:20
